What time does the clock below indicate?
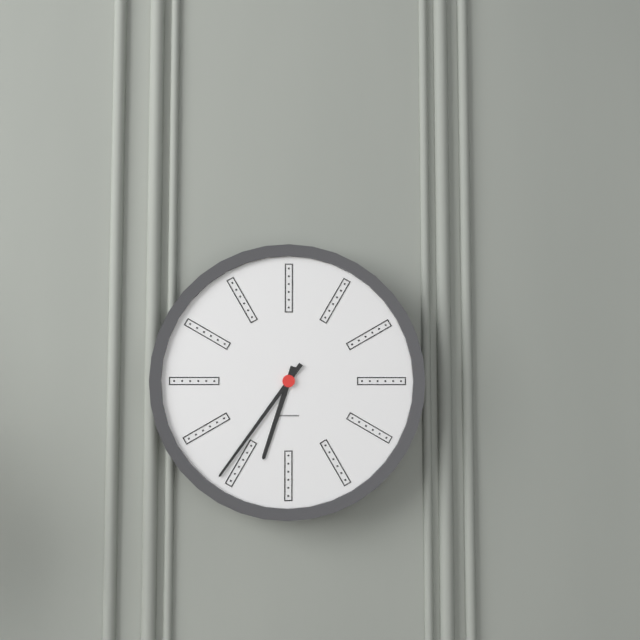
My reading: 6:36
